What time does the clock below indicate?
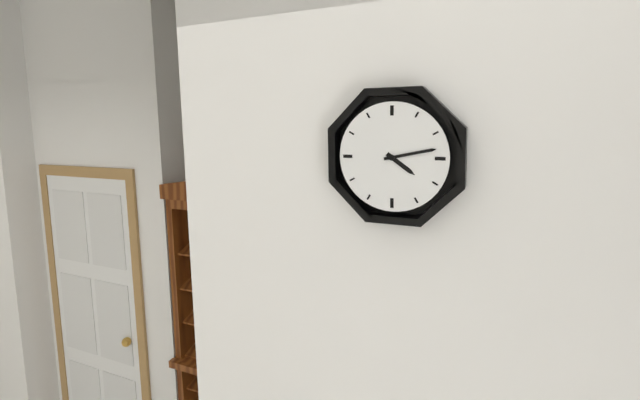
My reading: 4:13
